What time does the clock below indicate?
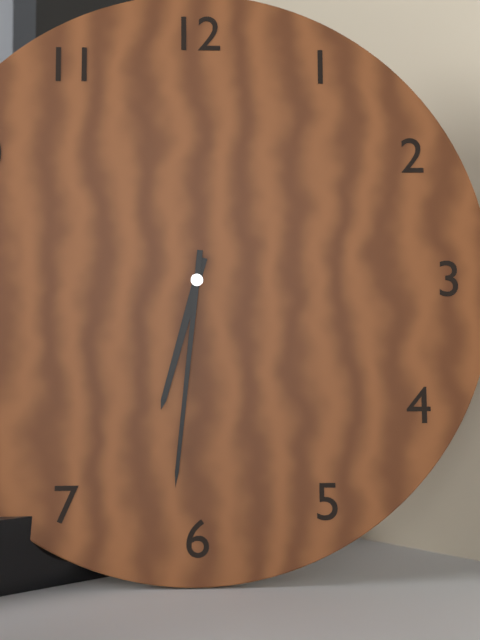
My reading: 6:31
